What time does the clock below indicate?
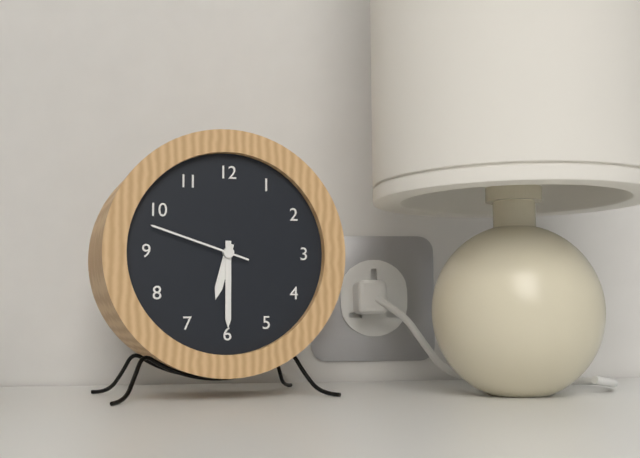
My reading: 6:30:48
